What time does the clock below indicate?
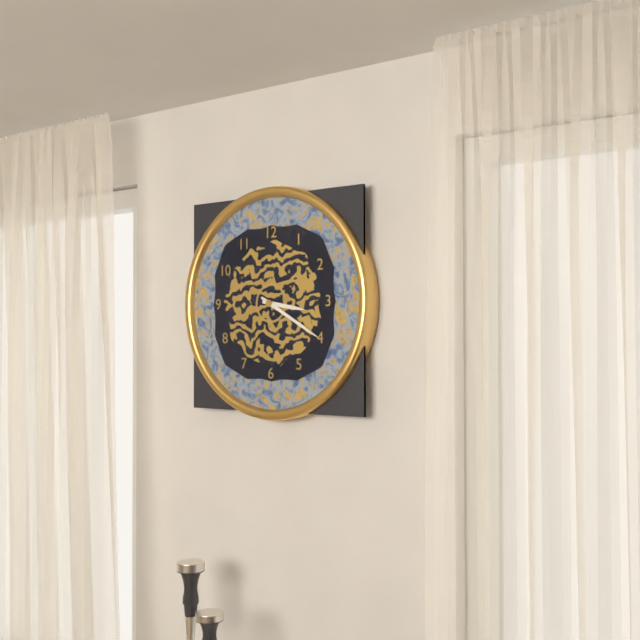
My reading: 3:20
